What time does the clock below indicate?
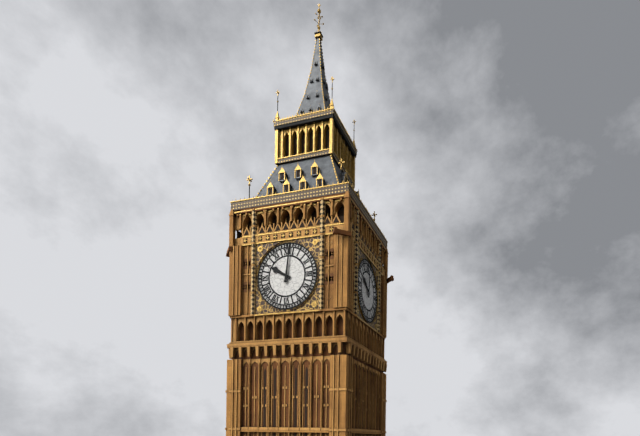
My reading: 10:01
